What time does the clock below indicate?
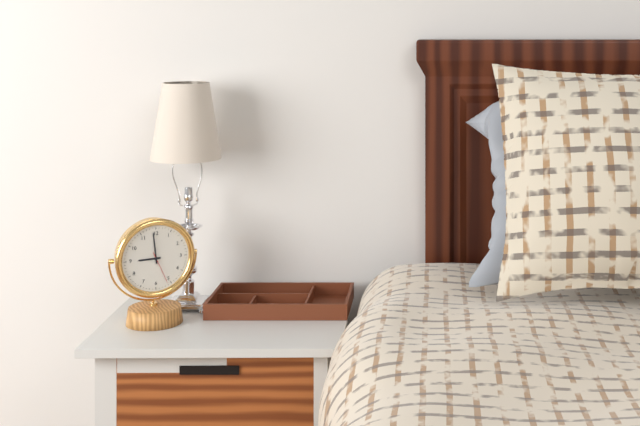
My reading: 8:59
